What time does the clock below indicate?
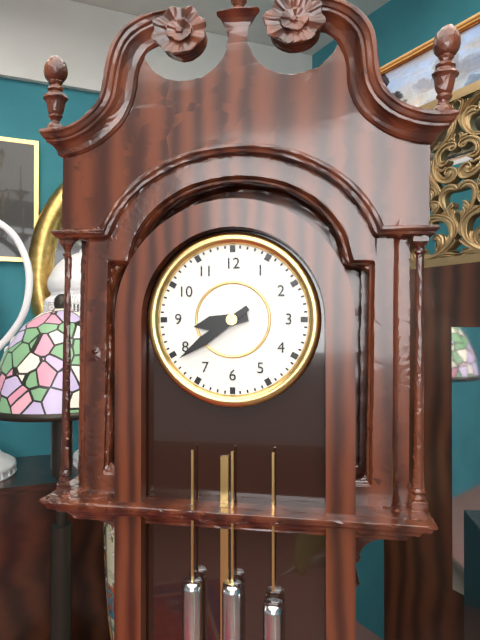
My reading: 8:39
